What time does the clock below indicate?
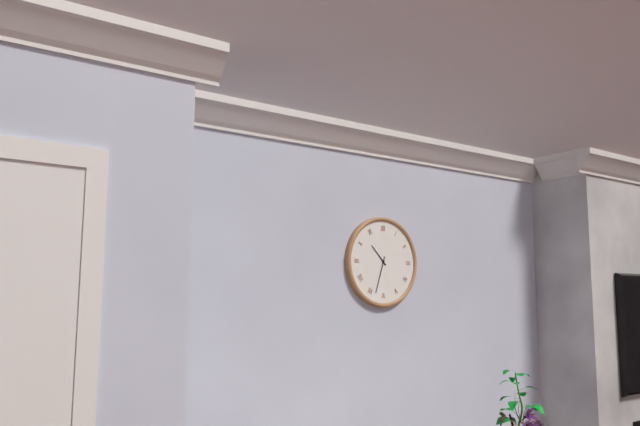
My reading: 10:33
